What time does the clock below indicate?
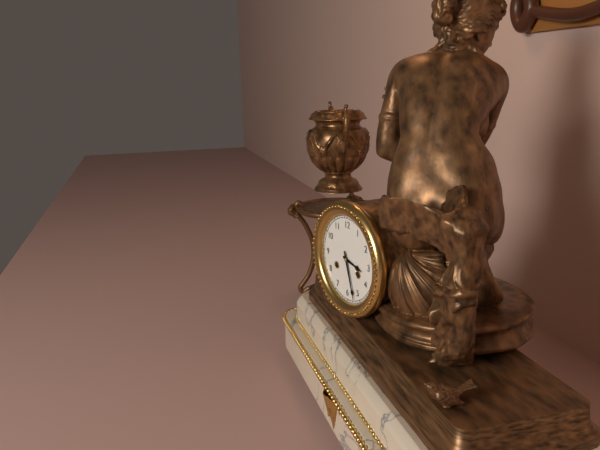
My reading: 3:27
